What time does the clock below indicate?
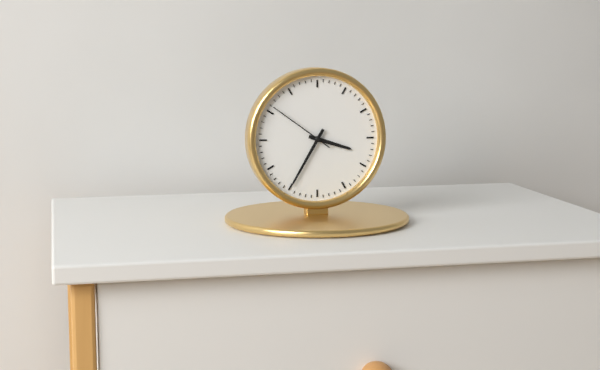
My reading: 3:35:51
